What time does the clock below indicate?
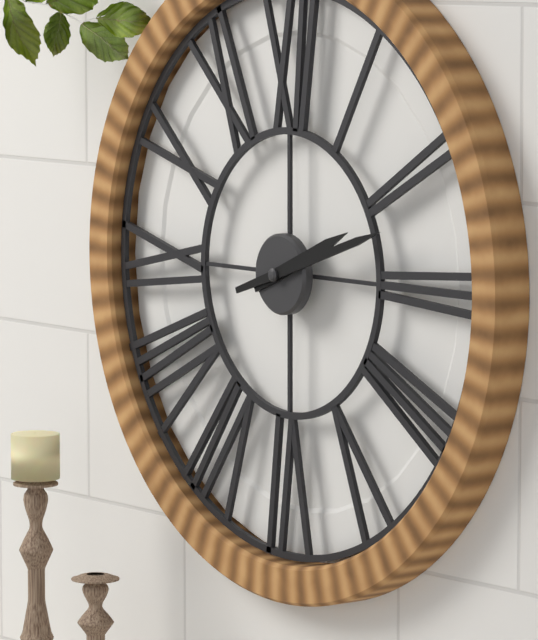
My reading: 2:12
